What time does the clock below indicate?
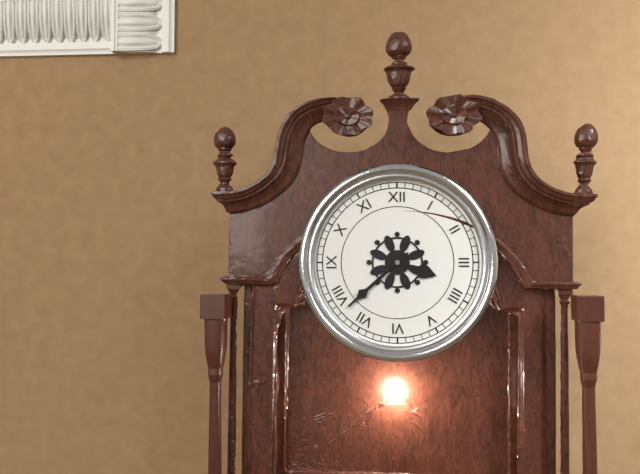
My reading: 3:38
